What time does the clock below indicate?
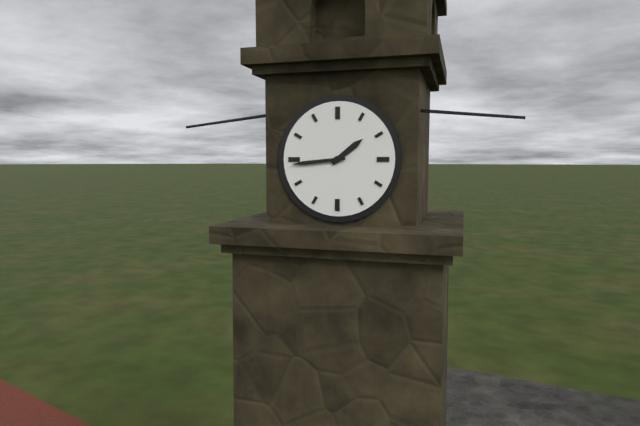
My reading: 1:44
